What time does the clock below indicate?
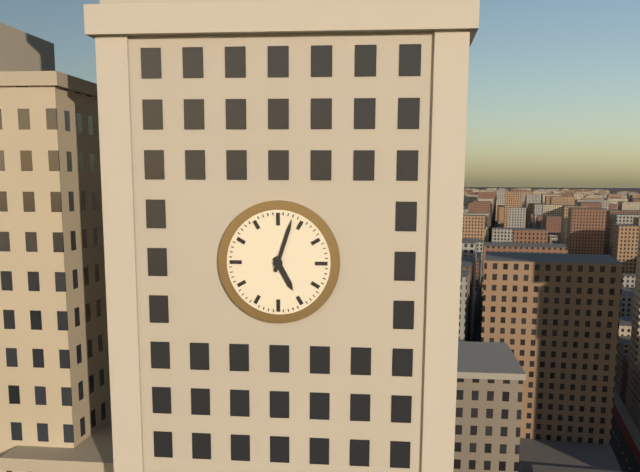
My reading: 5:03
